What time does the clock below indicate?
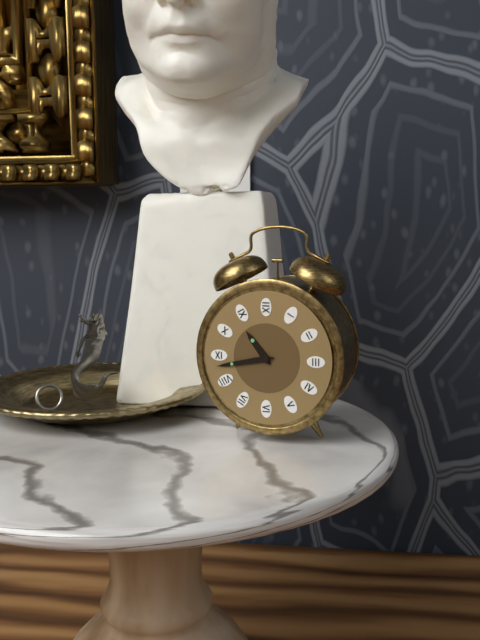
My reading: 10:43
